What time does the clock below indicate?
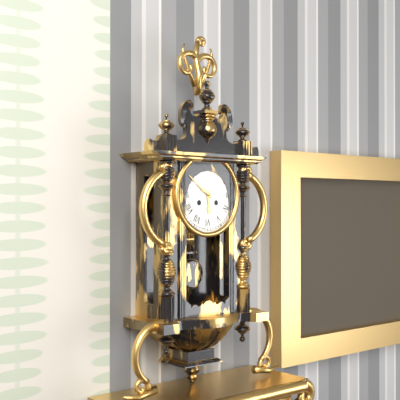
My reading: 5:51
